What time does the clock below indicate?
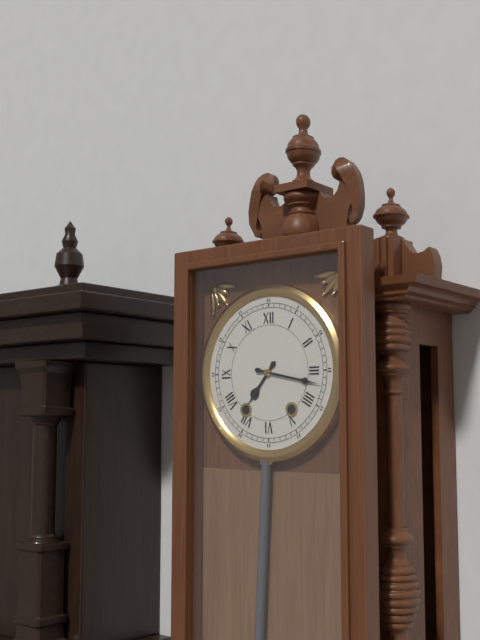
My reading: 7:17
